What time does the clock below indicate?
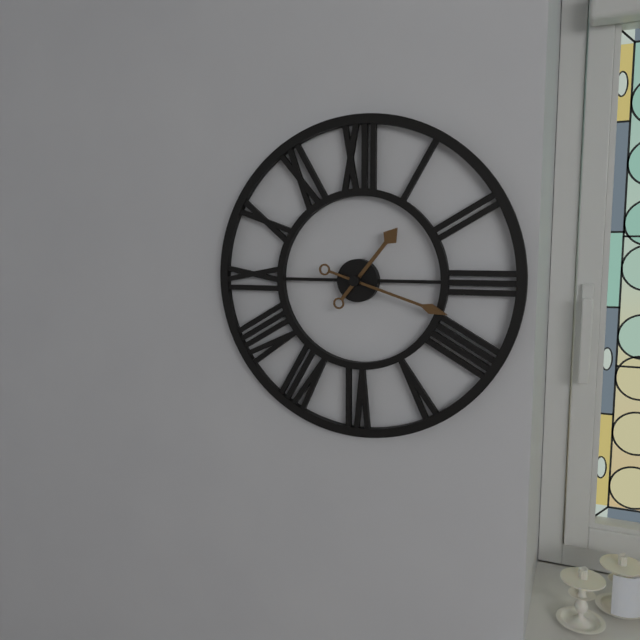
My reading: 1:18
